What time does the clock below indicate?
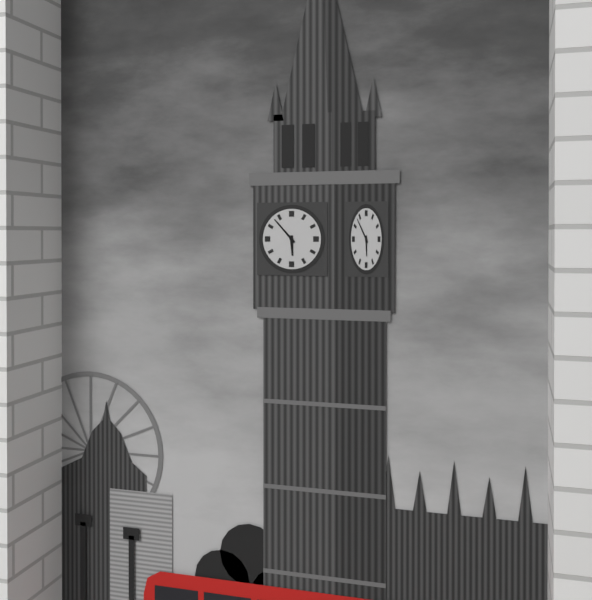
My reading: 5:53
